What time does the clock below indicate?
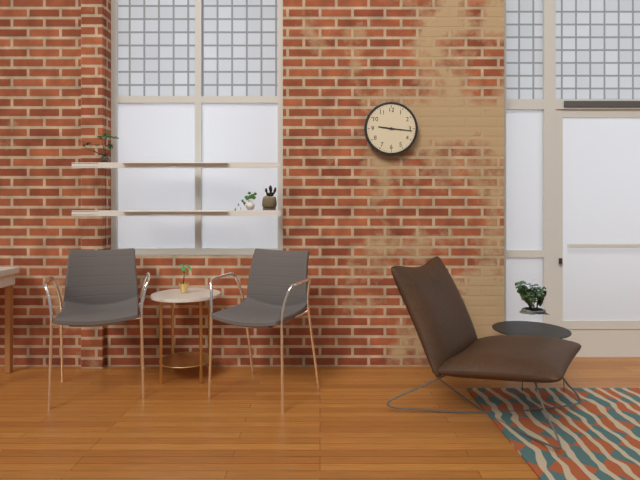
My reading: 9:16
